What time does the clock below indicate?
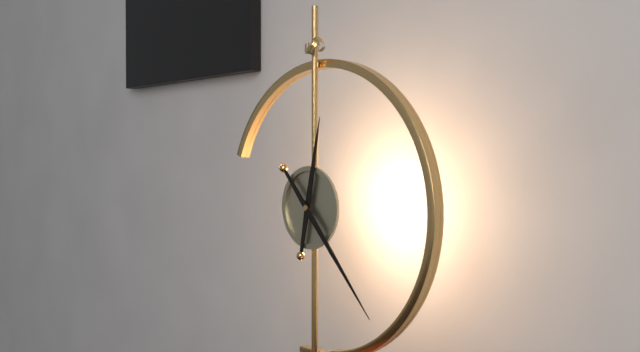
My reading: 12:23
